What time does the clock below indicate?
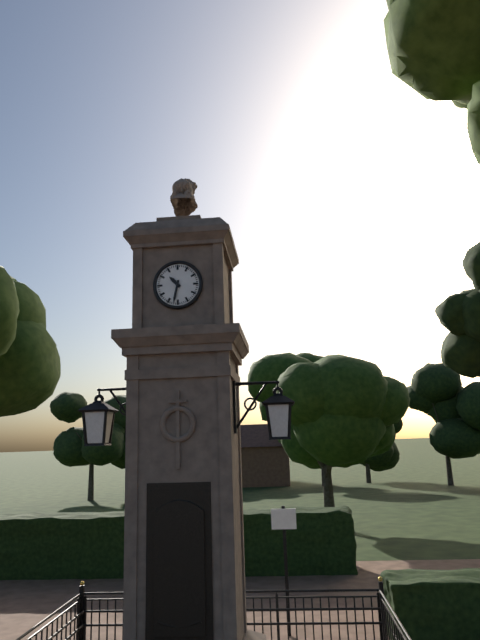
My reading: 10:32
